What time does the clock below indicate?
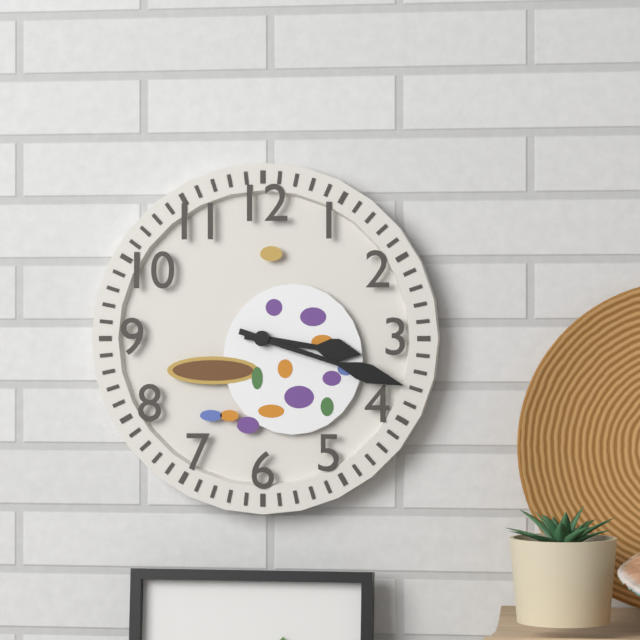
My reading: 3:18
